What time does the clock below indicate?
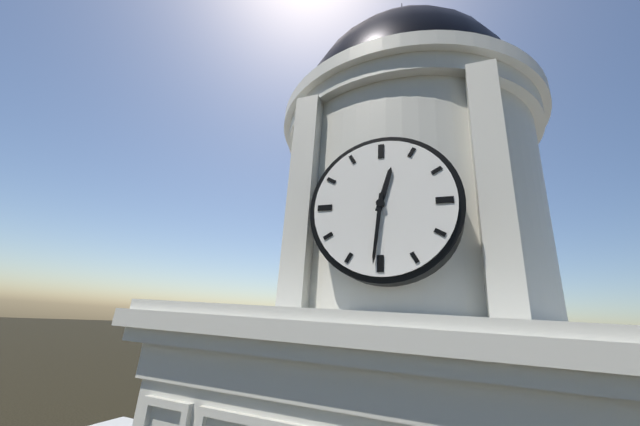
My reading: 12:31
